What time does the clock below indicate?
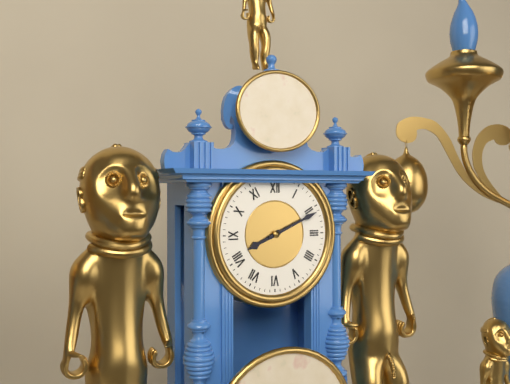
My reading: 8:11
